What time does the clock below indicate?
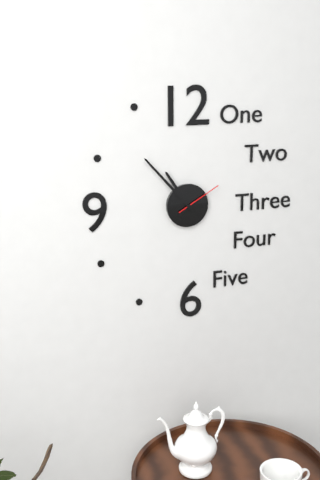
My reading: 10:53
